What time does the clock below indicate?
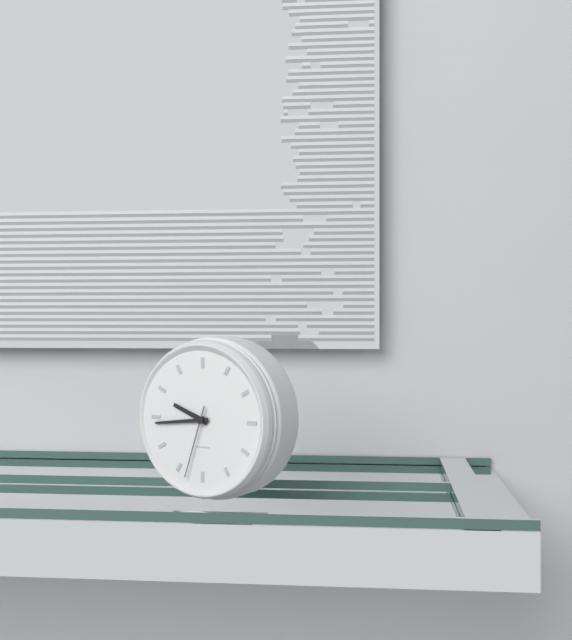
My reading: 9:44:33
